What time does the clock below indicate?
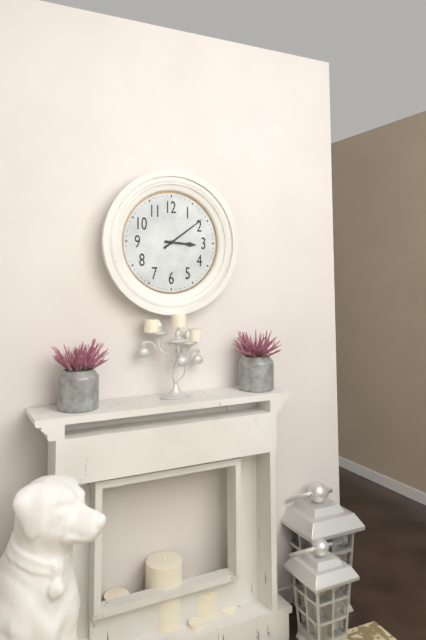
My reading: 3:09
